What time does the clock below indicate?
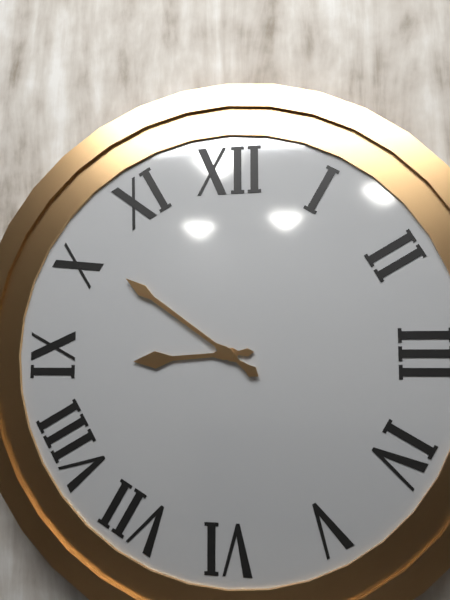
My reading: 8:51
